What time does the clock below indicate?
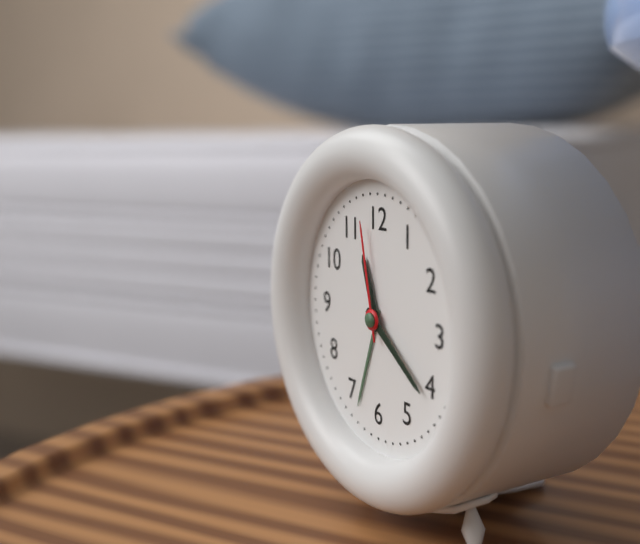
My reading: 11:21:58
